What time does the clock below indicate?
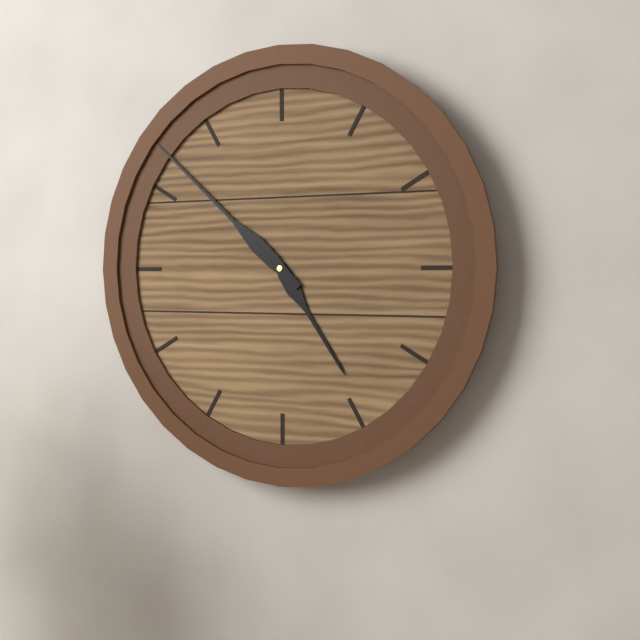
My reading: 4:52
